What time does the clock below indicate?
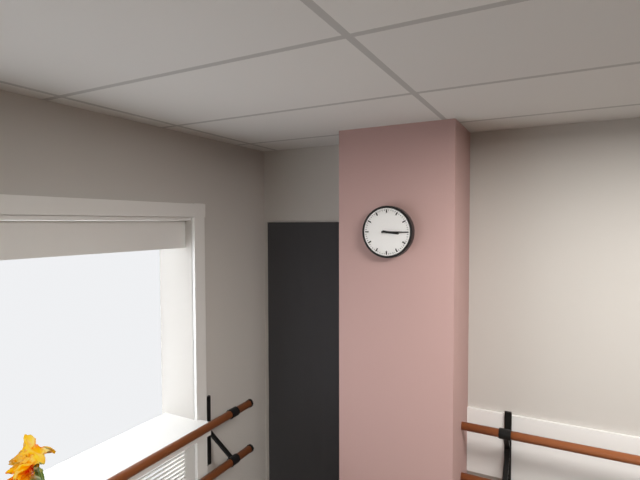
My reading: 3:15
